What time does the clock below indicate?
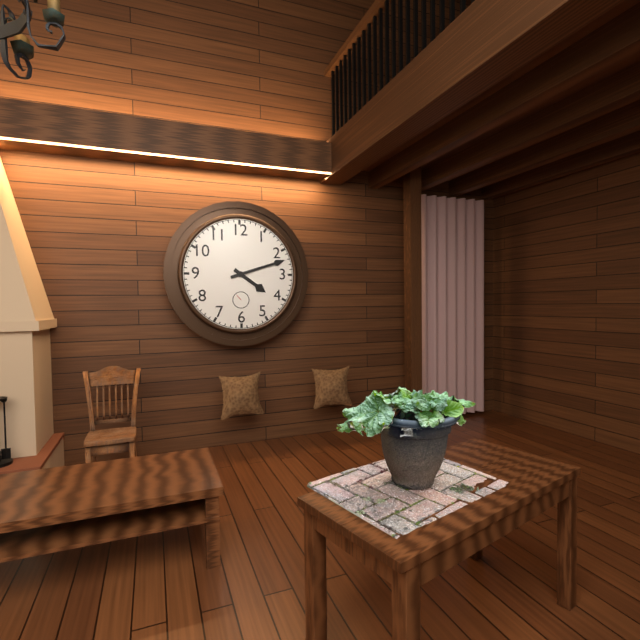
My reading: 4:12
